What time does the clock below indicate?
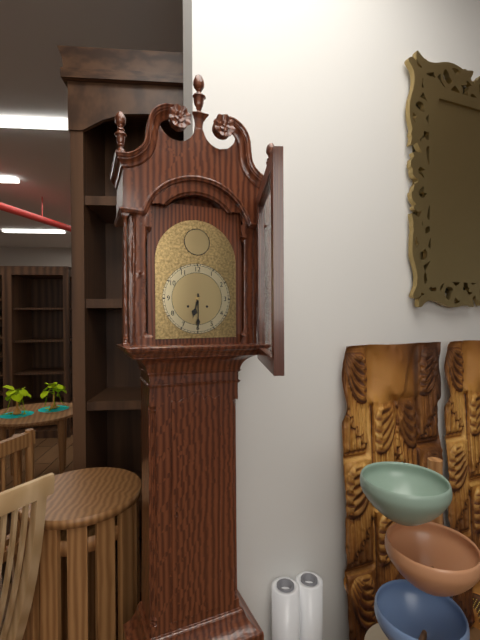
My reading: 6:30
